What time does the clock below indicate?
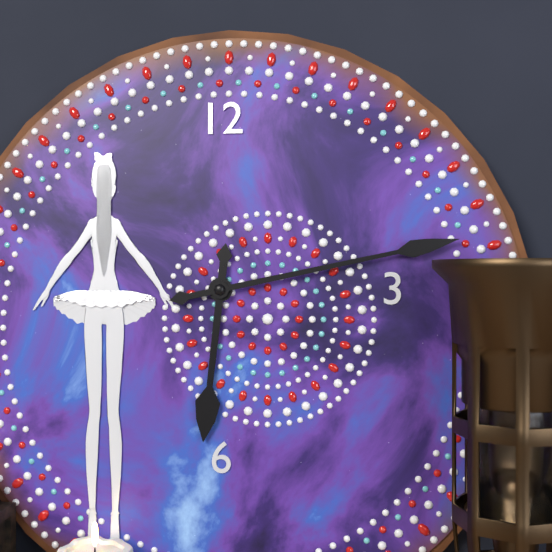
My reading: 6:13
